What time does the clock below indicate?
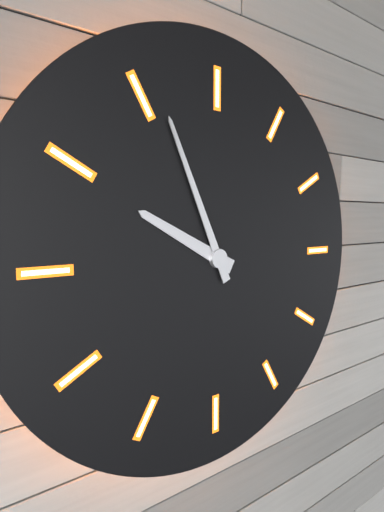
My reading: 9:56
